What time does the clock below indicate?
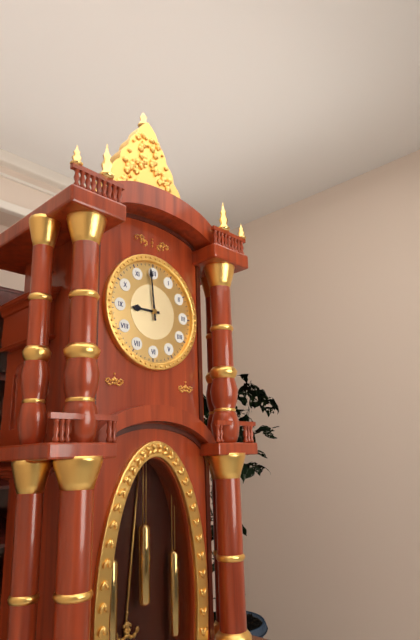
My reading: 8:59
